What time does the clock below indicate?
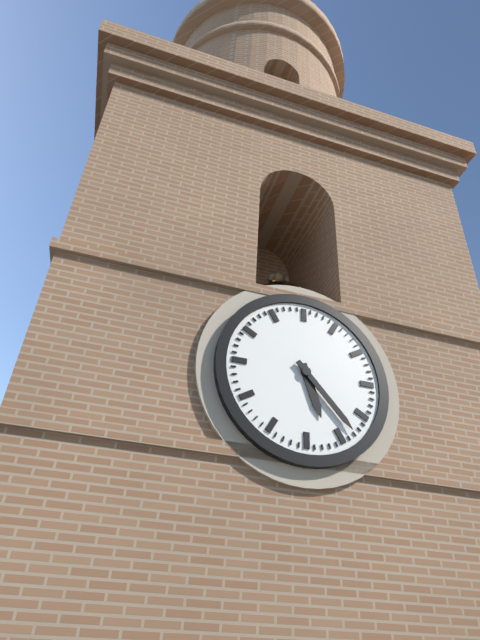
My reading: 5:23
